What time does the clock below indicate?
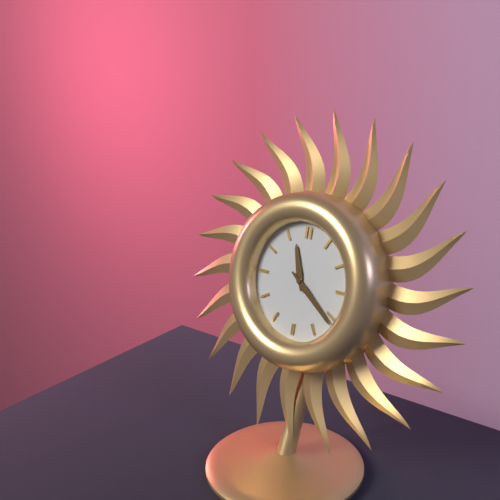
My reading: 11:21
